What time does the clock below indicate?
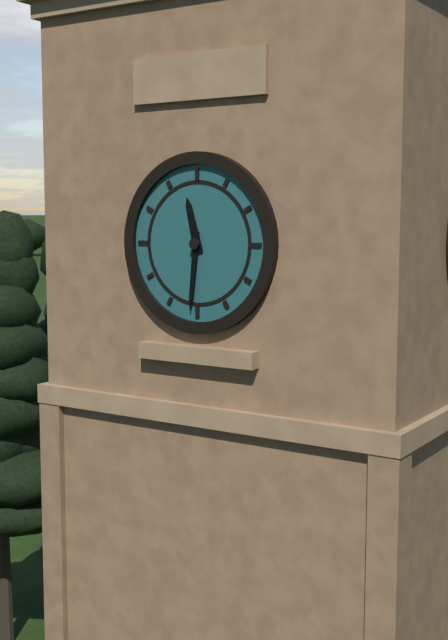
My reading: 11:31
